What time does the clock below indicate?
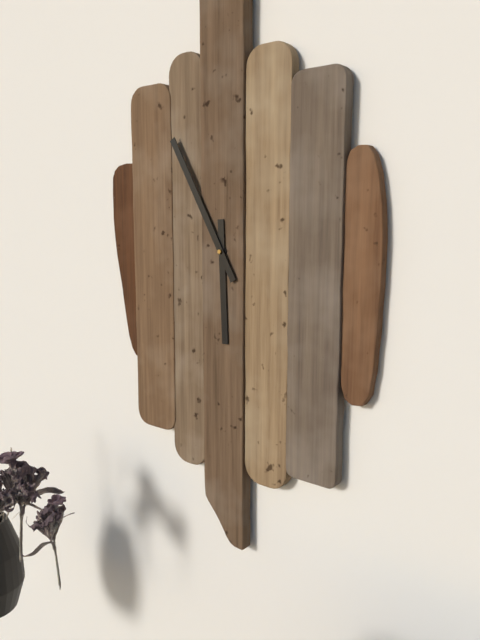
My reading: 5:55
